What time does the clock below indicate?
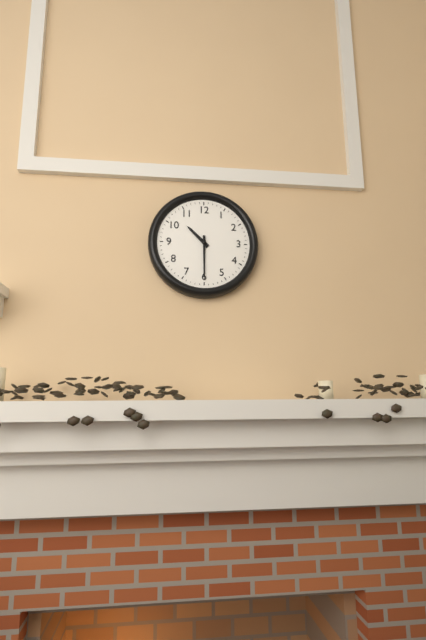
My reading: 10:30
